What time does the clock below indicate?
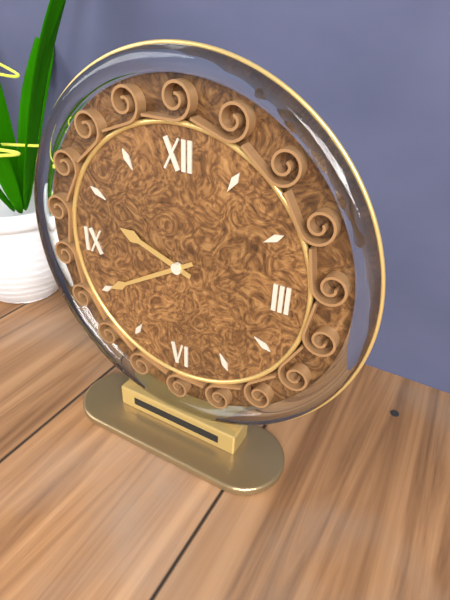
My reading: 9:40
